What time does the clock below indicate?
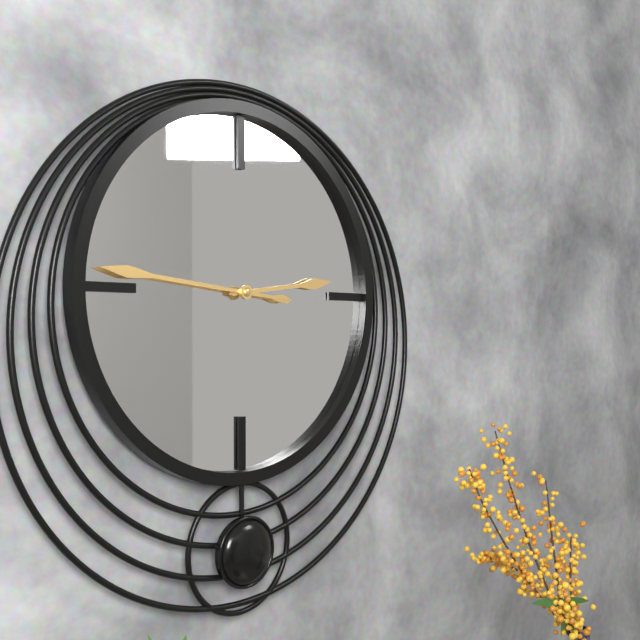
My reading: 2:46
